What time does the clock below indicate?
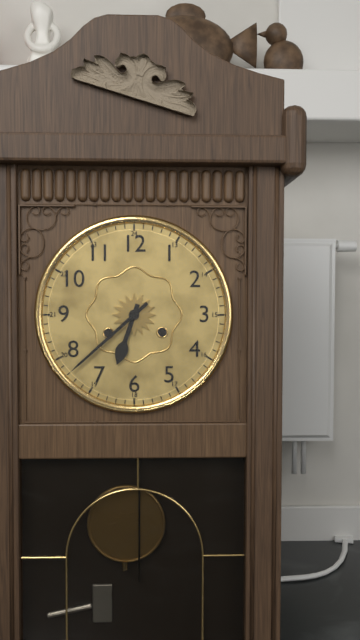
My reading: 6:38
